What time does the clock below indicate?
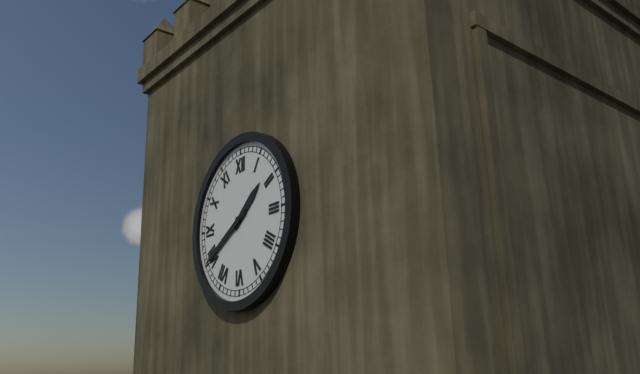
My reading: 1:40
